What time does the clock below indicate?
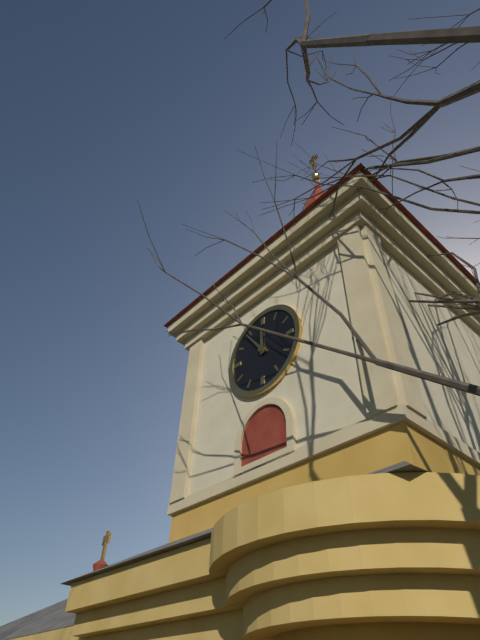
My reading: 11:54
